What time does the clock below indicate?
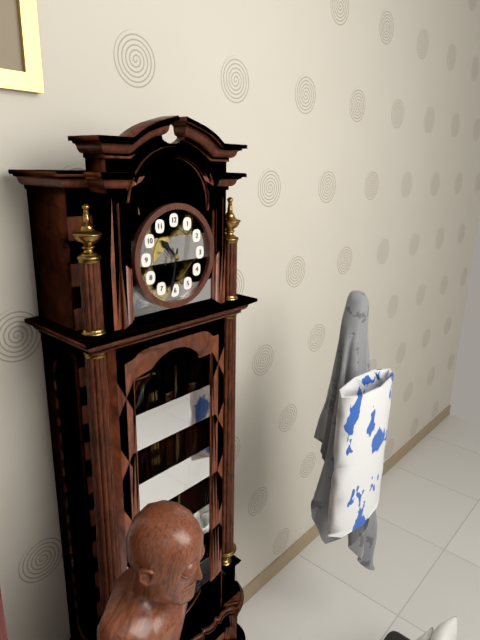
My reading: 10:32
